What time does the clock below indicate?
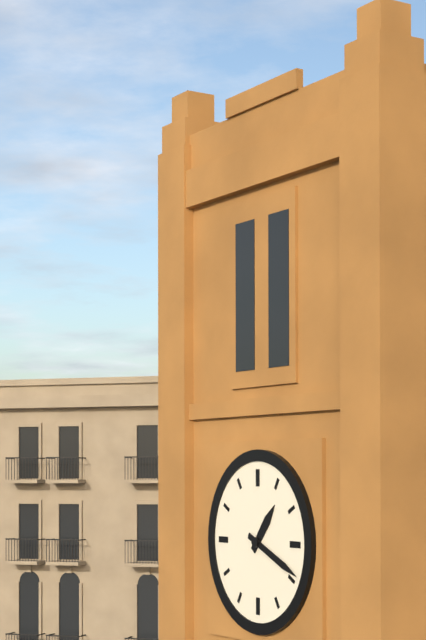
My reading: 1:19
